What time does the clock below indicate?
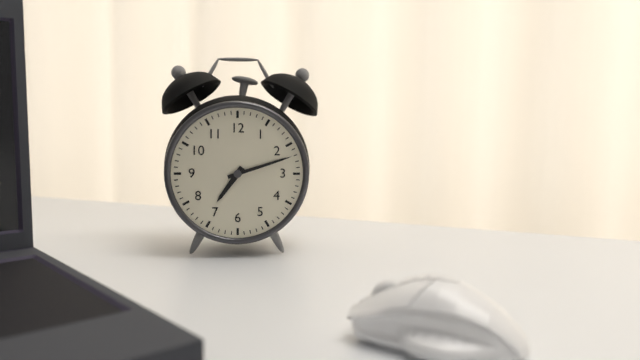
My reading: 7:12
